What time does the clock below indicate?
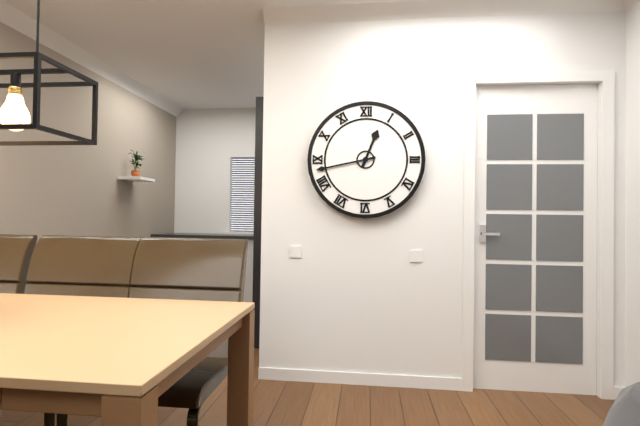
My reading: 12:43
